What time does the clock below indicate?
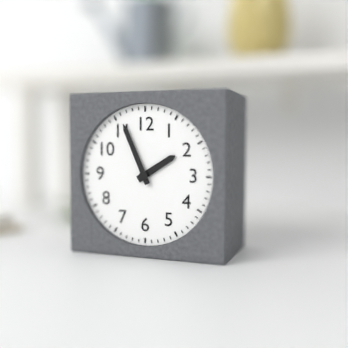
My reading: 1:56
